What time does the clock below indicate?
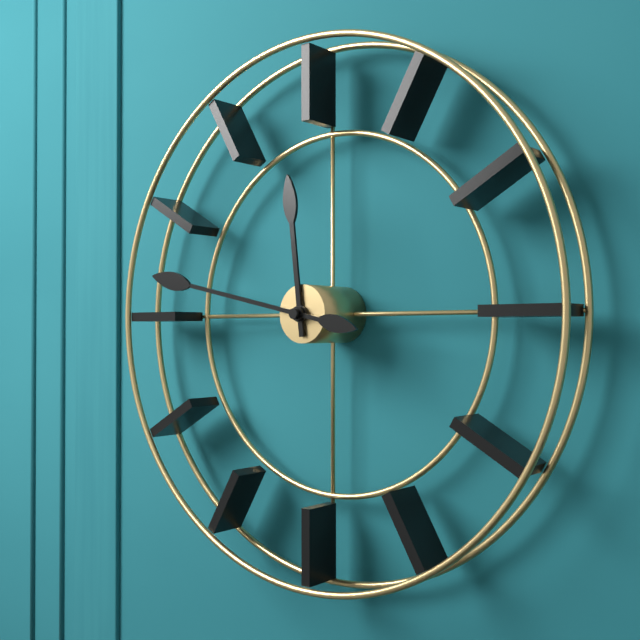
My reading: 11:47
